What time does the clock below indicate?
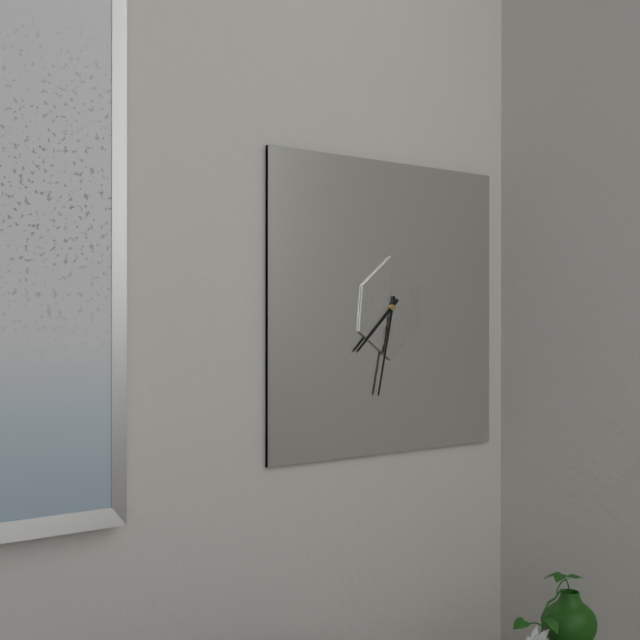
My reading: 7:32
